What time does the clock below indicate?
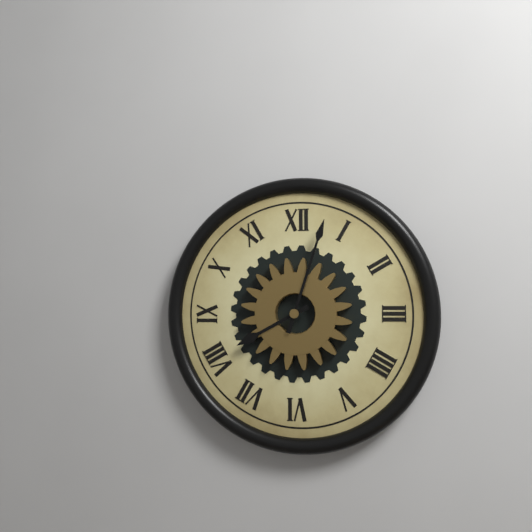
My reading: 8:03
